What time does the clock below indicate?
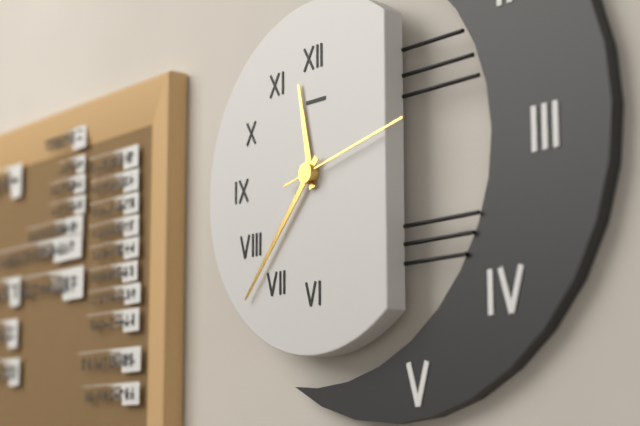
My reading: 11:37:13
